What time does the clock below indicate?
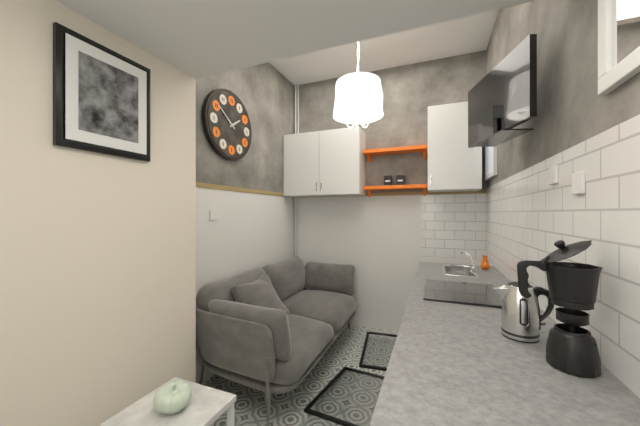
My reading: 1:51
